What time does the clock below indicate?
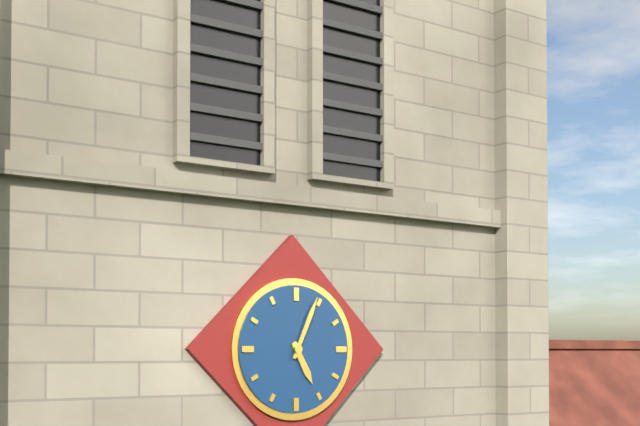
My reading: 5:04
